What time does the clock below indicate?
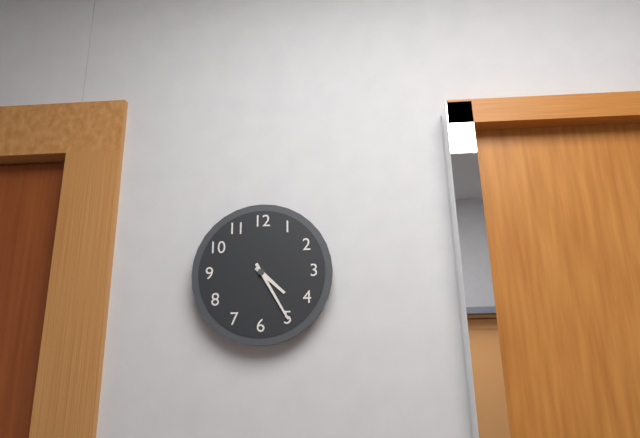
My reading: 4:25
